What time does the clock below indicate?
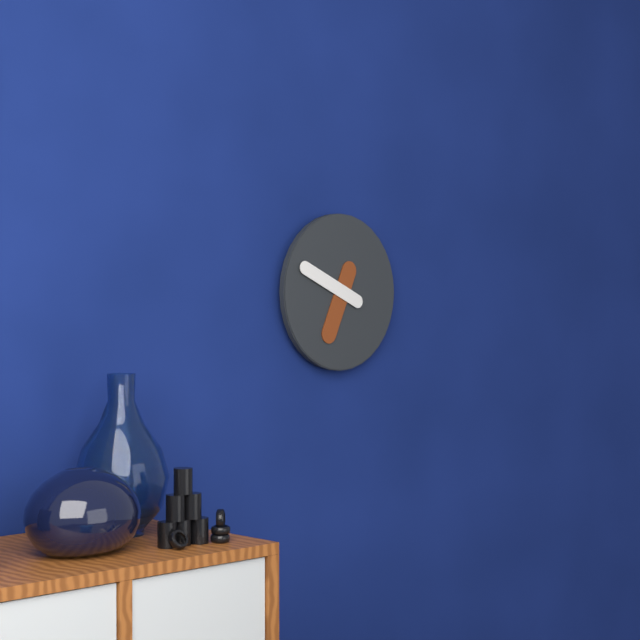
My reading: 6:49
